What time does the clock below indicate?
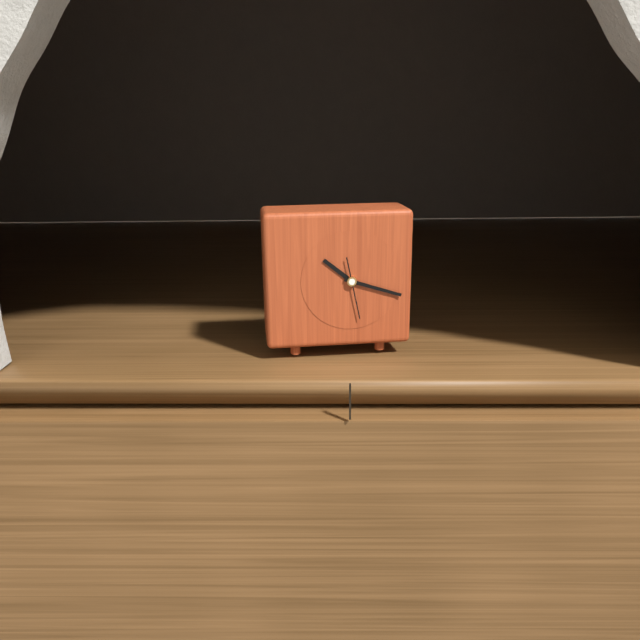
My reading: 10:18
